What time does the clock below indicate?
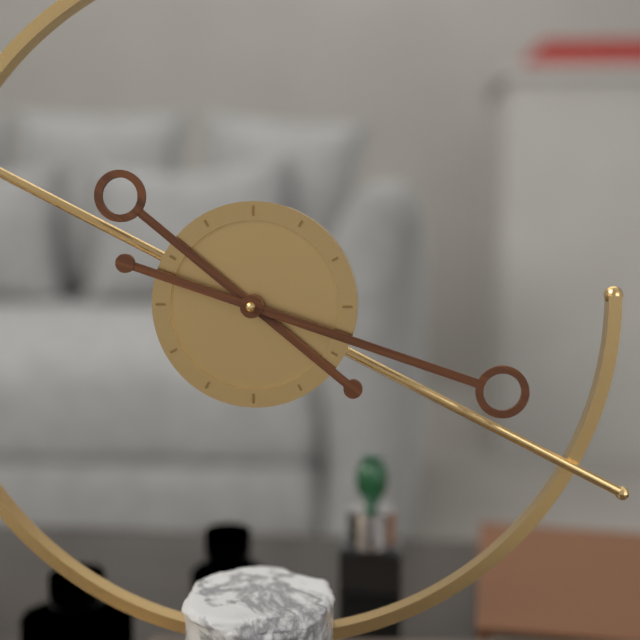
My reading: 10:18
